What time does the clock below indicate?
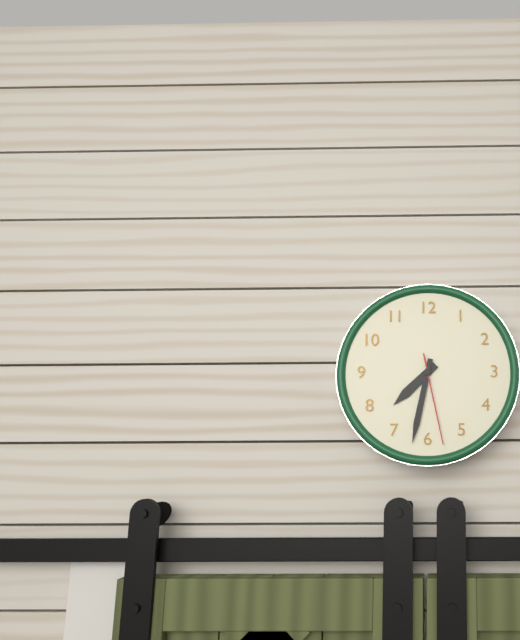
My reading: 7:32:28
